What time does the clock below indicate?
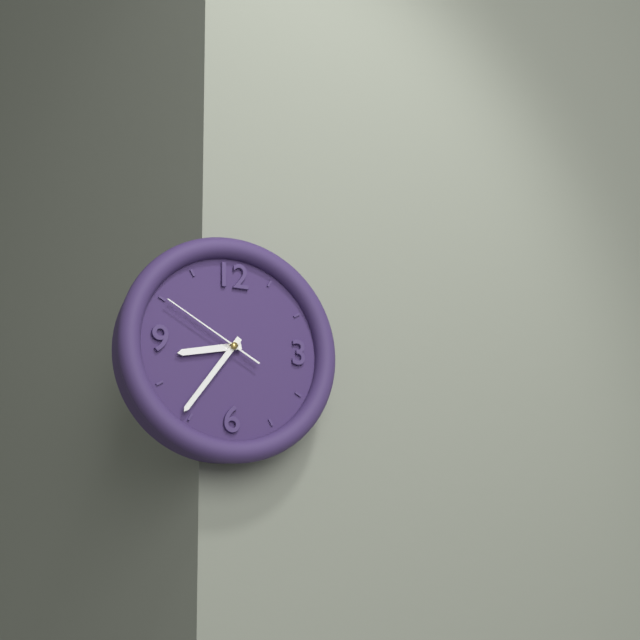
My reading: 8:36:50
